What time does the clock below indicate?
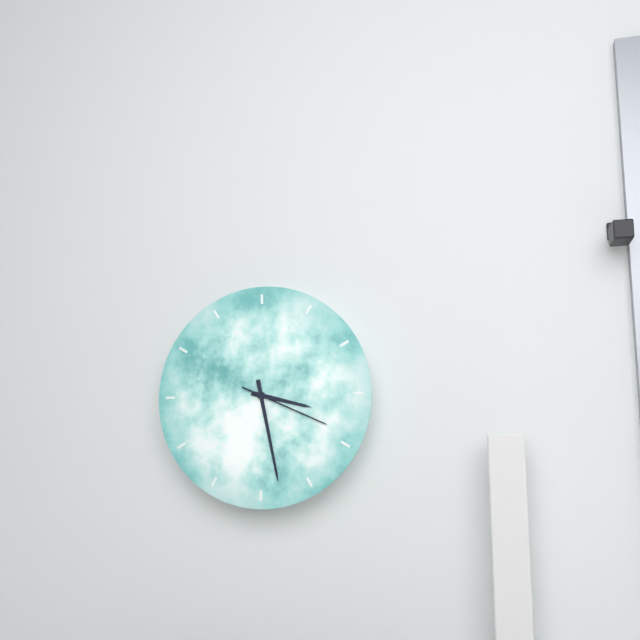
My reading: 3:28:19
